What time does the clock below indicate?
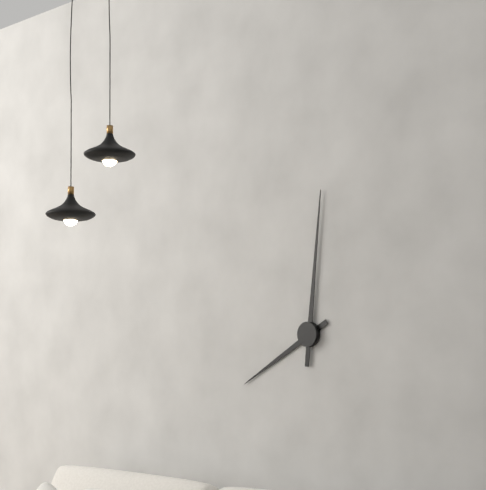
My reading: 8:01
